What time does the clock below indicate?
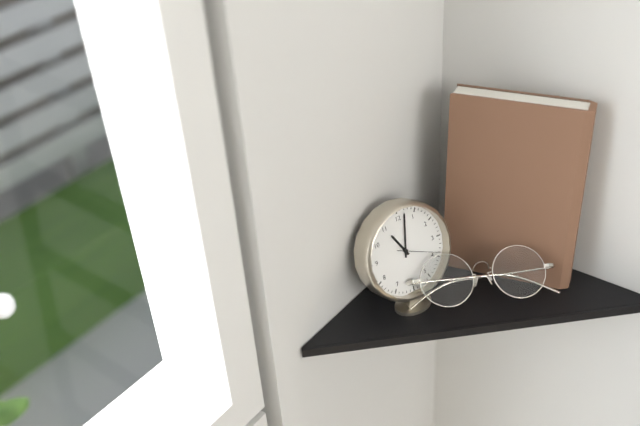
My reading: 11:02
